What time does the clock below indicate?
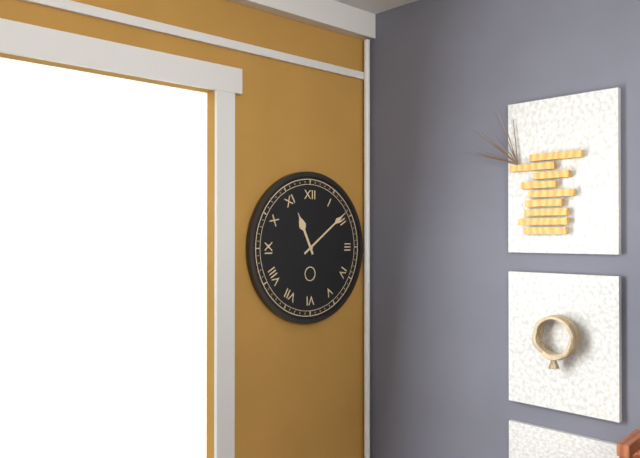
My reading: 11:09
